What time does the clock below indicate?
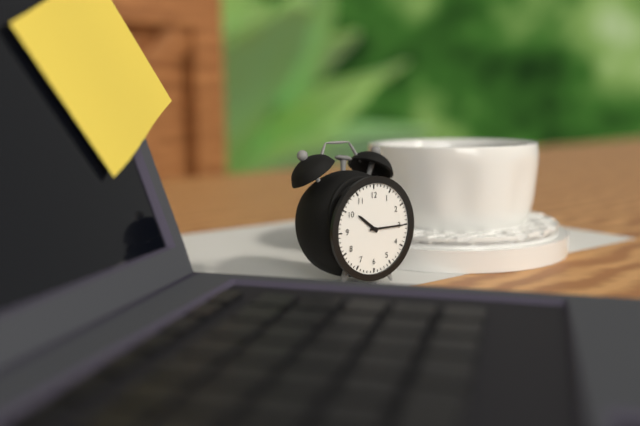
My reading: 10:15
